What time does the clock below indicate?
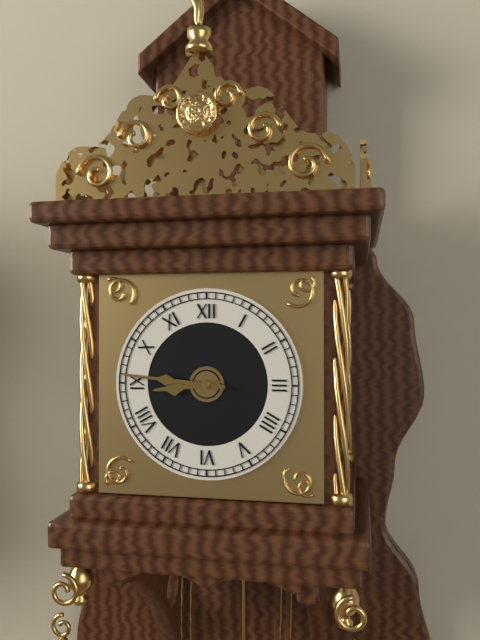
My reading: 8:46
